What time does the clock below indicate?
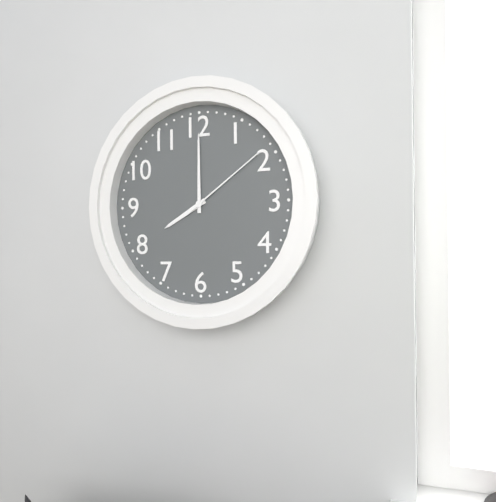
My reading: 8:00:09
